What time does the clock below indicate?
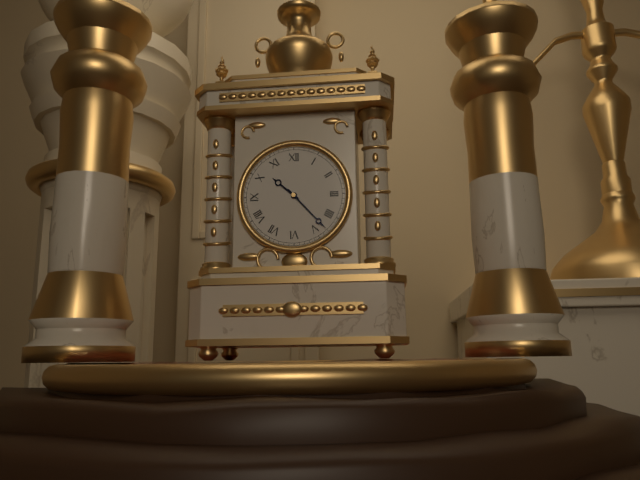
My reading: 10:23
